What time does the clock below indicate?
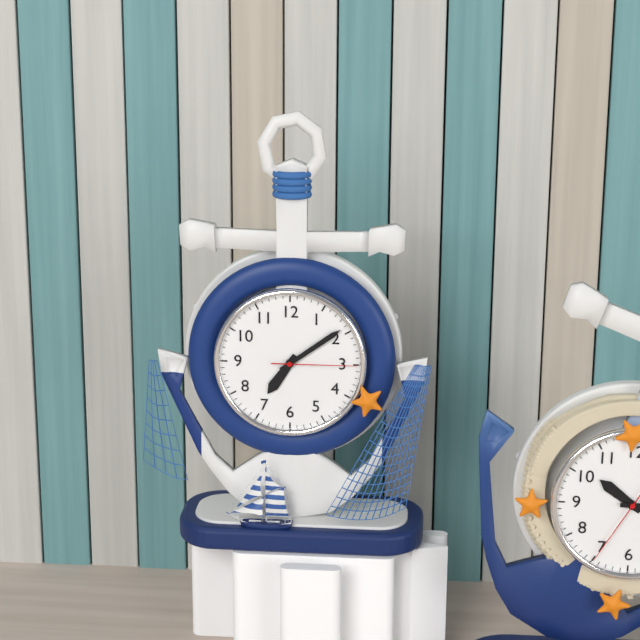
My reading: 7:09:15
